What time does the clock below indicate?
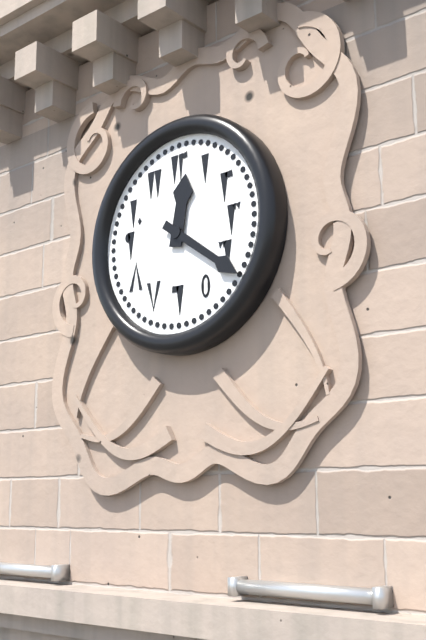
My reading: 12:21
